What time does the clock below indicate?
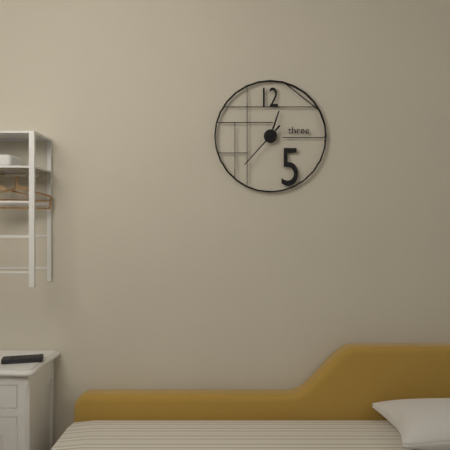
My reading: 12:37
